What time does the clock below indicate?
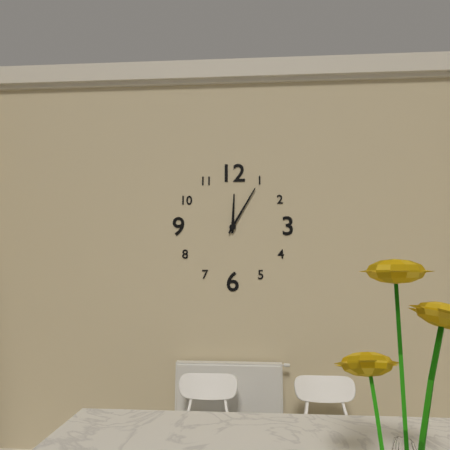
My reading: 12:05
